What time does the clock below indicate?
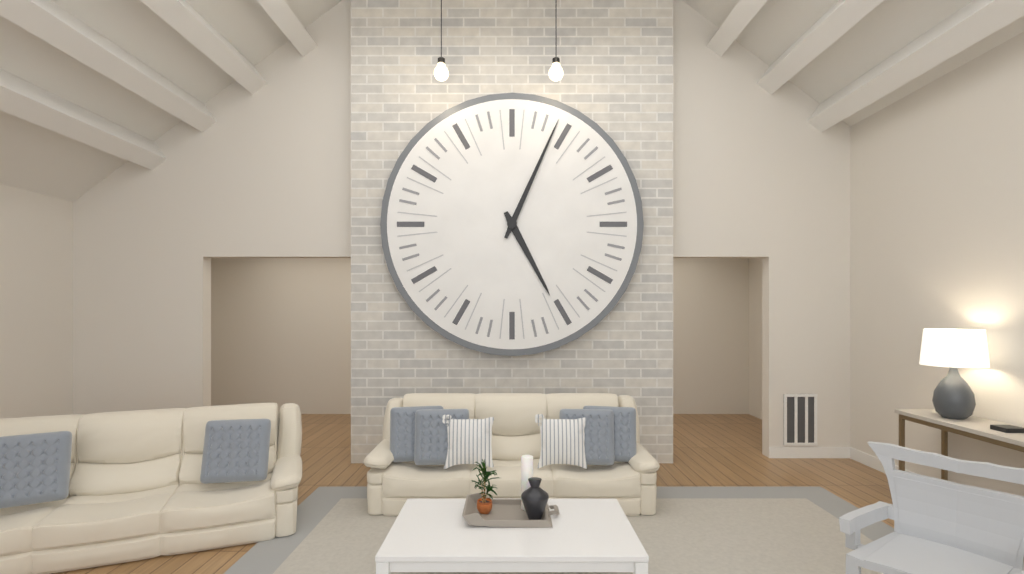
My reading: 5:04
